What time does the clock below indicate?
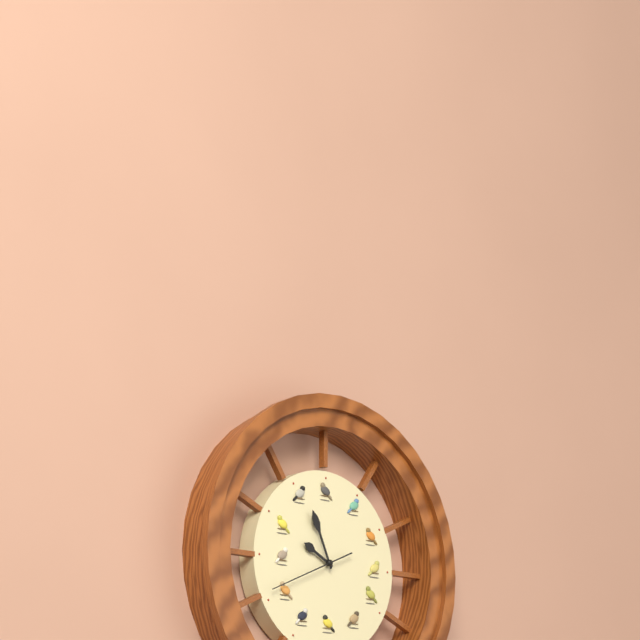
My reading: 9:56:41
